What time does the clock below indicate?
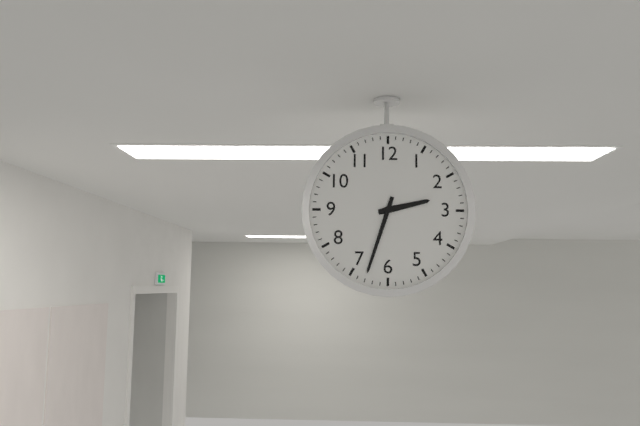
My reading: 2:33
